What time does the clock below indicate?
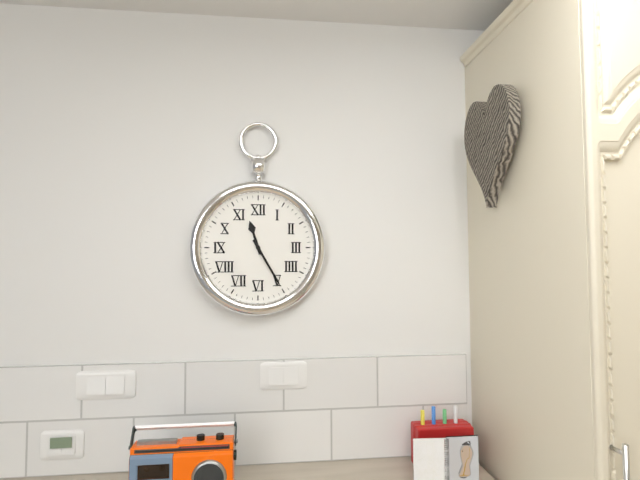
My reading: 11:25
